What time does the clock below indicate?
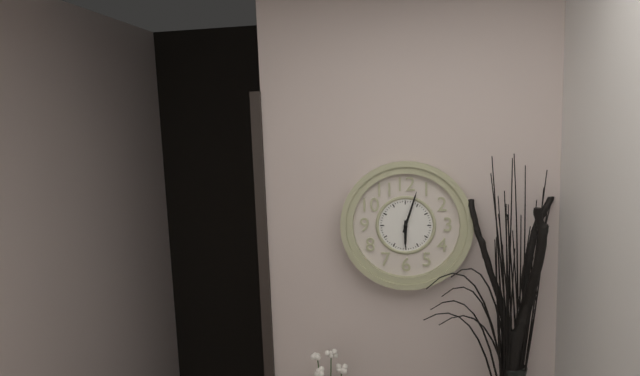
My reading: 6:03
